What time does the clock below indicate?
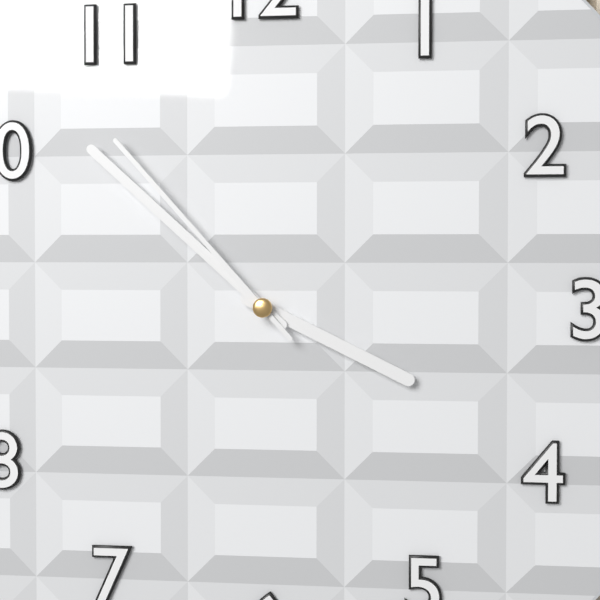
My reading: 3:52:53
